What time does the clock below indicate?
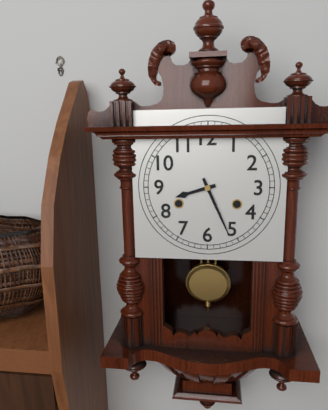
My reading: 8:26
